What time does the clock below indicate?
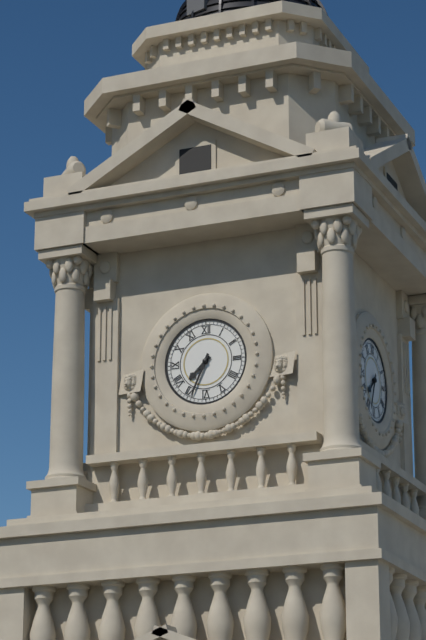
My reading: 7:34
